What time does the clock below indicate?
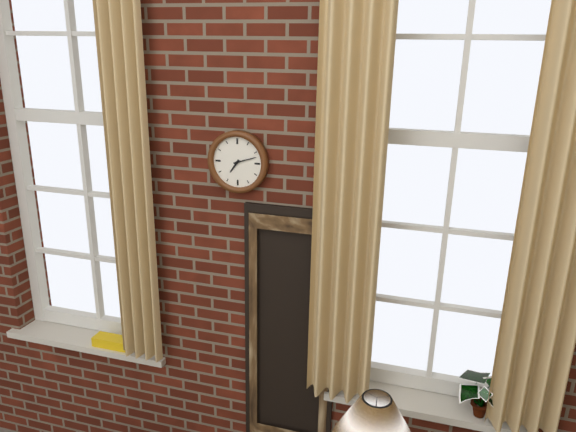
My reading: 7:12
